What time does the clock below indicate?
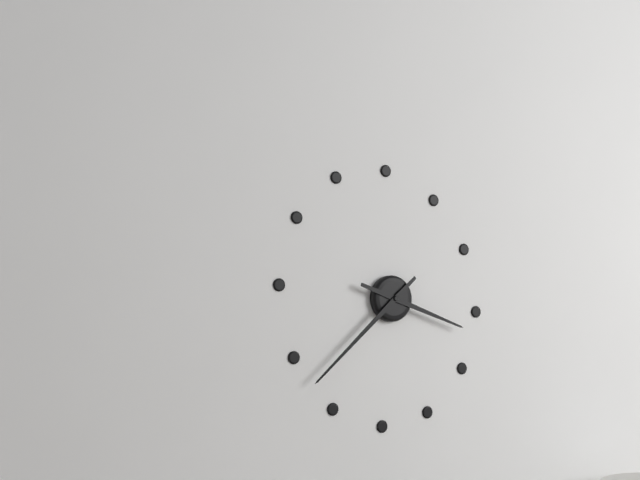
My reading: 3:38
